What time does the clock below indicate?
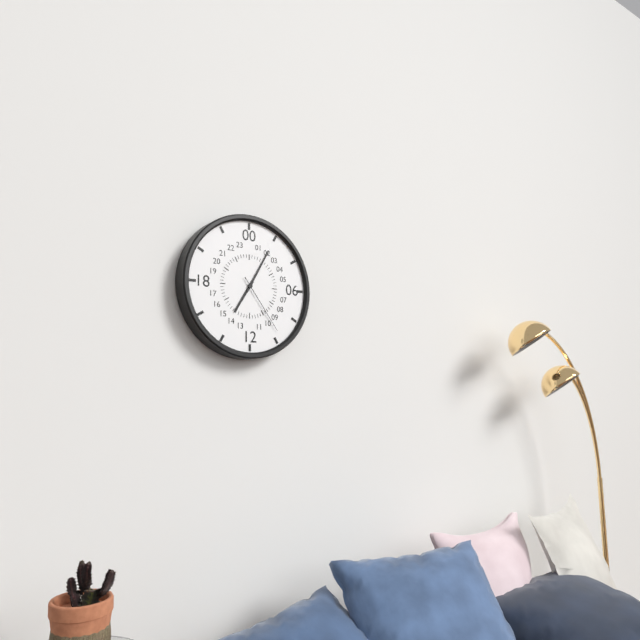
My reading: 7:05:24
